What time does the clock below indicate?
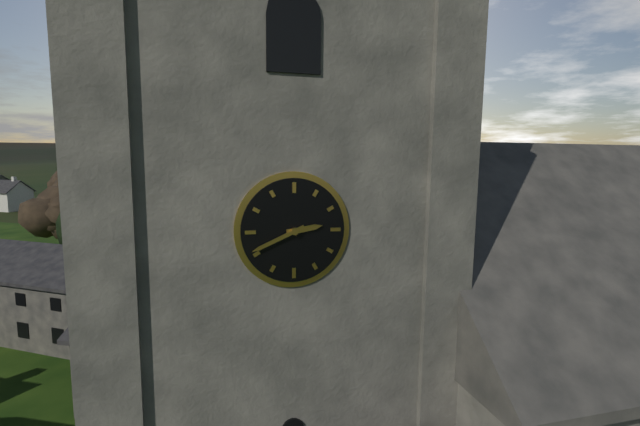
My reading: 2:41
